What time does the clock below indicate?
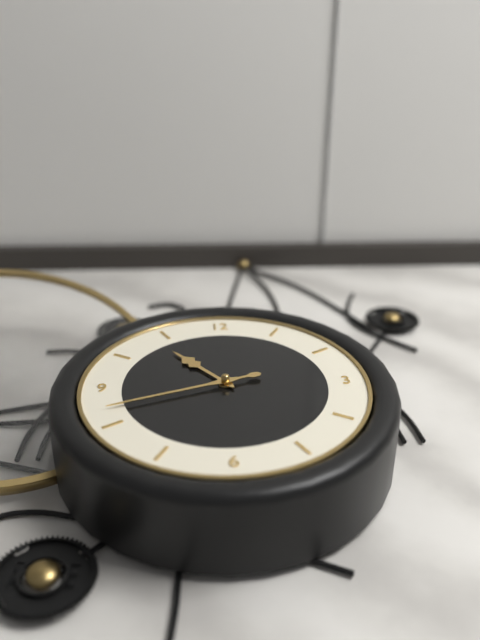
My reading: 10:42
